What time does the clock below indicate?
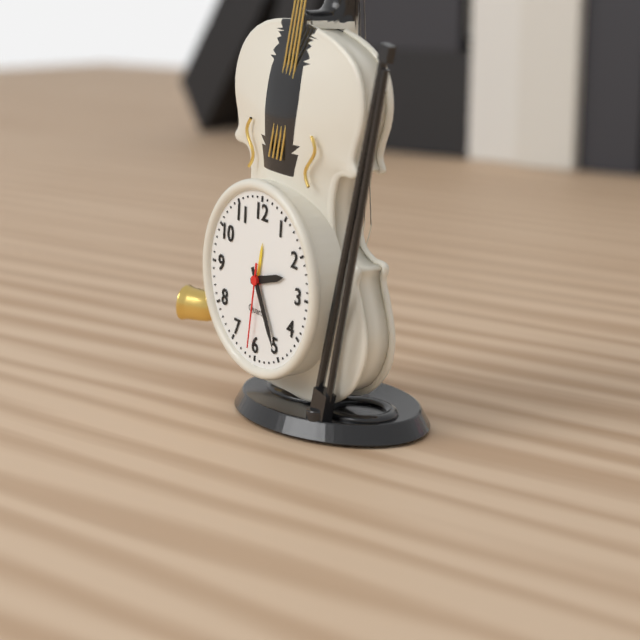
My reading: 2:25:31
